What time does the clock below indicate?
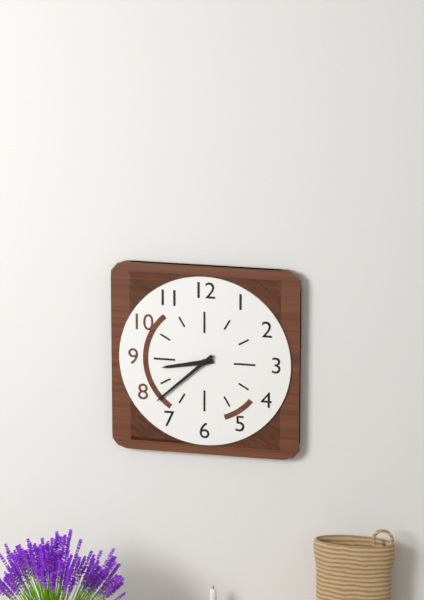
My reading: 8:38
